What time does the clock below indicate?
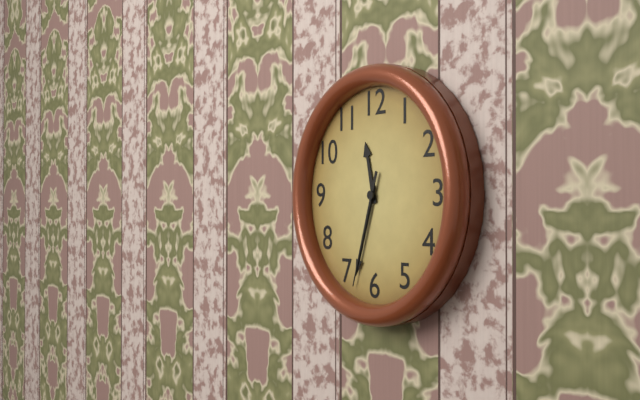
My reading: 11:33:33
